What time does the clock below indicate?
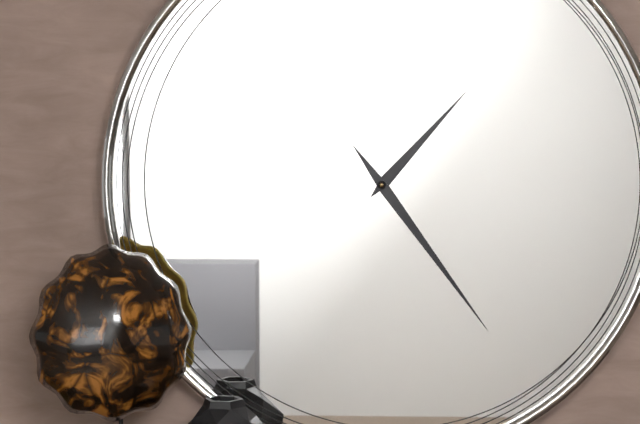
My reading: 1:24
